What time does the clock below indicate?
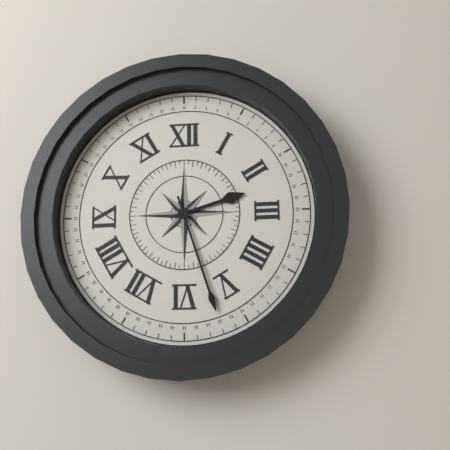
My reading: 2:27
